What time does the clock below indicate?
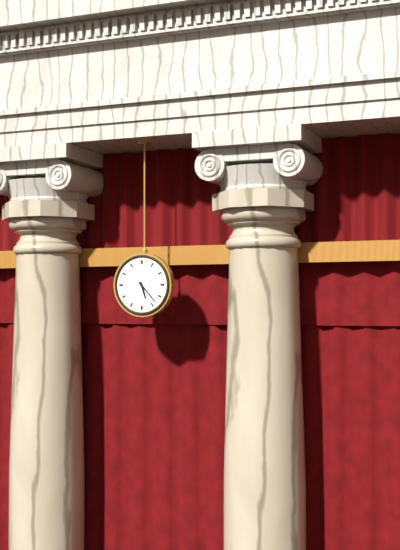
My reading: 5:23
